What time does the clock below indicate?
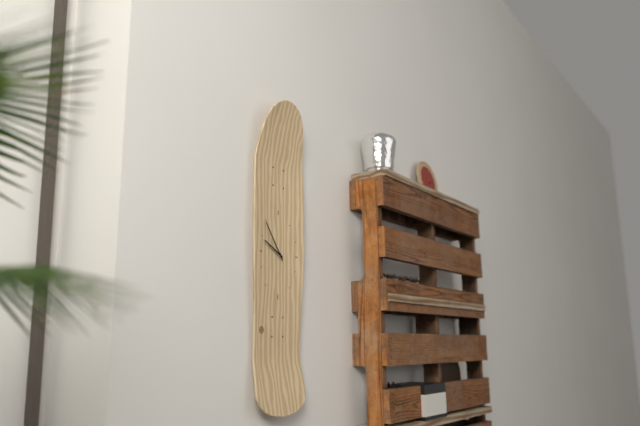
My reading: 9:54
